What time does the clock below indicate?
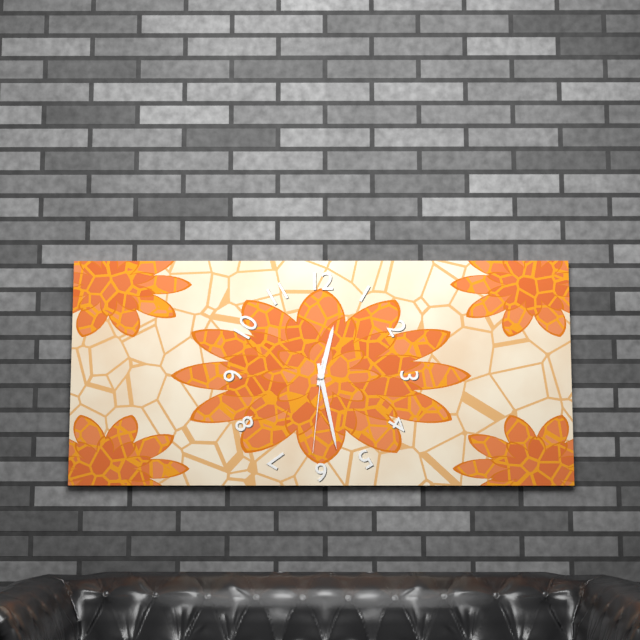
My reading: 12:28:31
